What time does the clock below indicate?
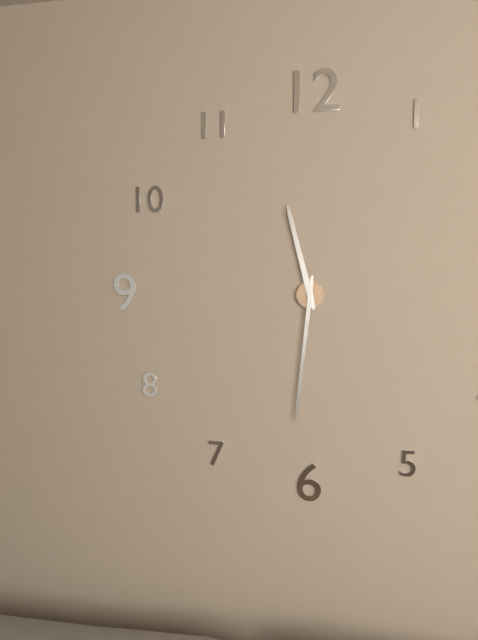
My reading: 11:31
